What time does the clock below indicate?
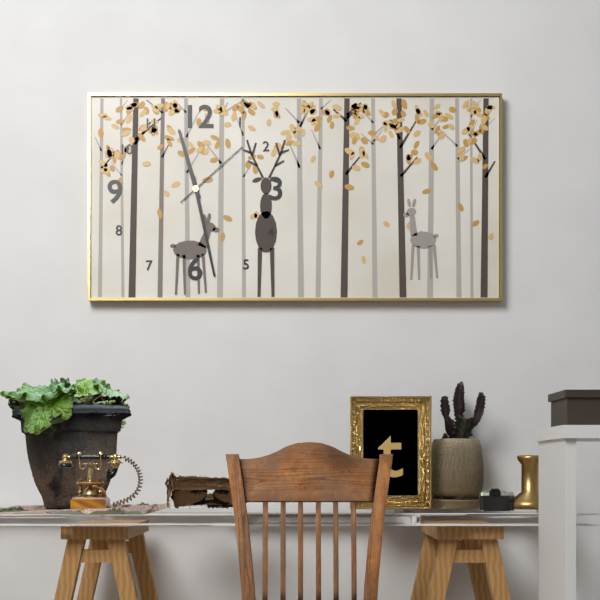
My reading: 11:28:08
